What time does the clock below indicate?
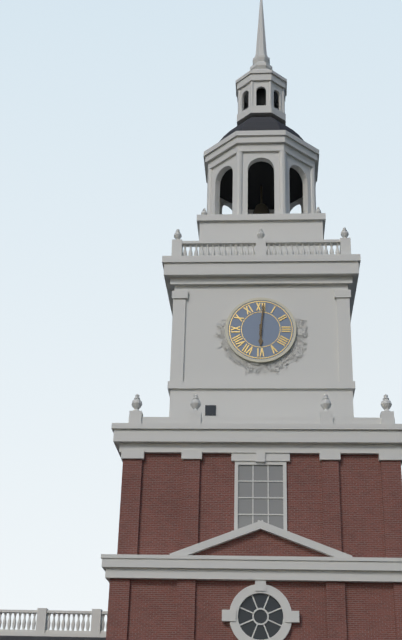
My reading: 6:01
